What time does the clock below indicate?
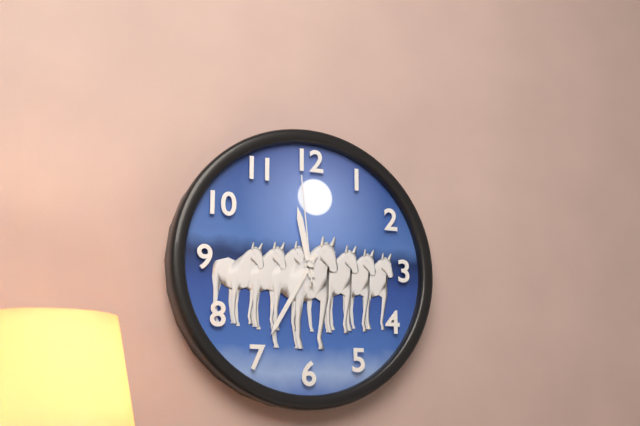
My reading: 11:35:59
